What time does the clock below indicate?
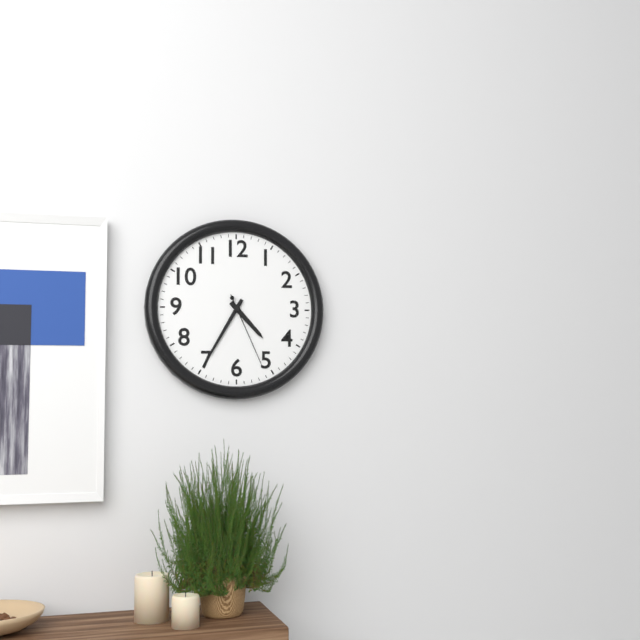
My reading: 4:35:26
